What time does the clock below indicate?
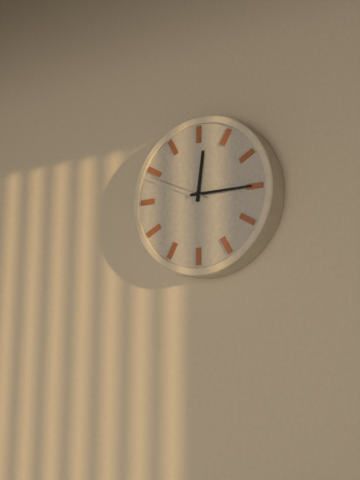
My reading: 12:15:49
